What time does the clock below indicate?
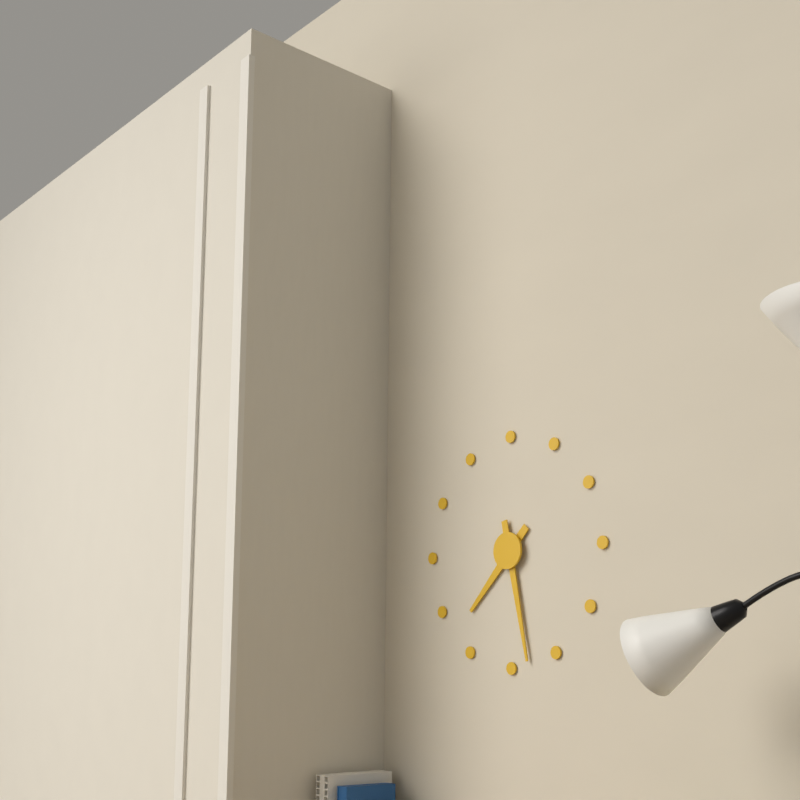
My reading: 7:28
